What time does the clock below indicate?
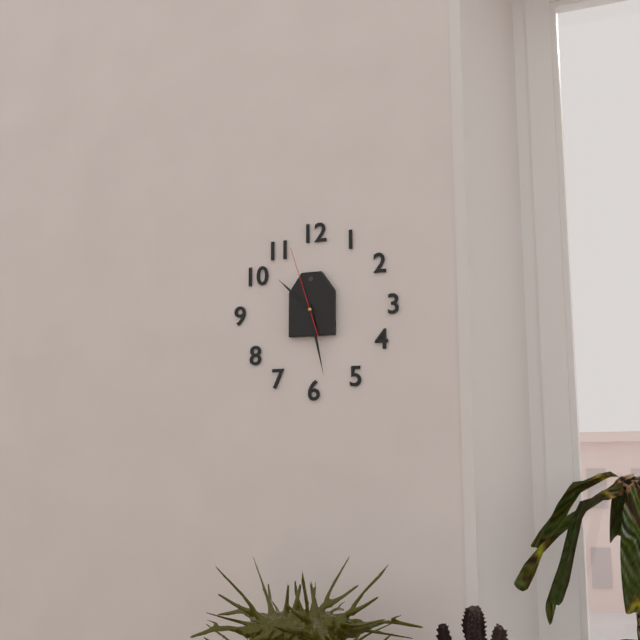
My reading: 10:28:57
